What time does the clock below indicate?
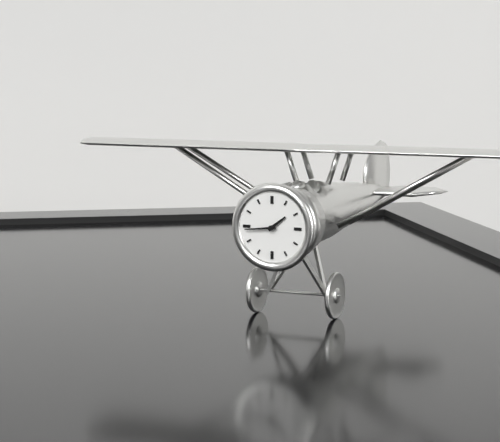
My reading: 1:44
